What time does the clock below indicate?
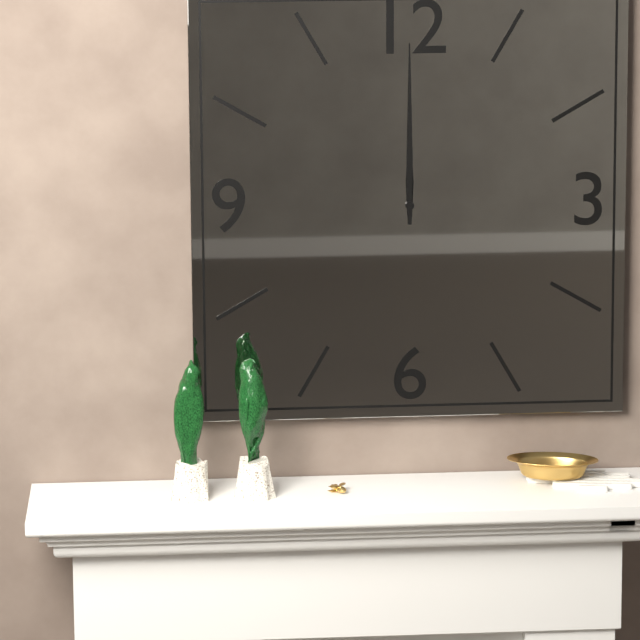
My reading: 12:00
